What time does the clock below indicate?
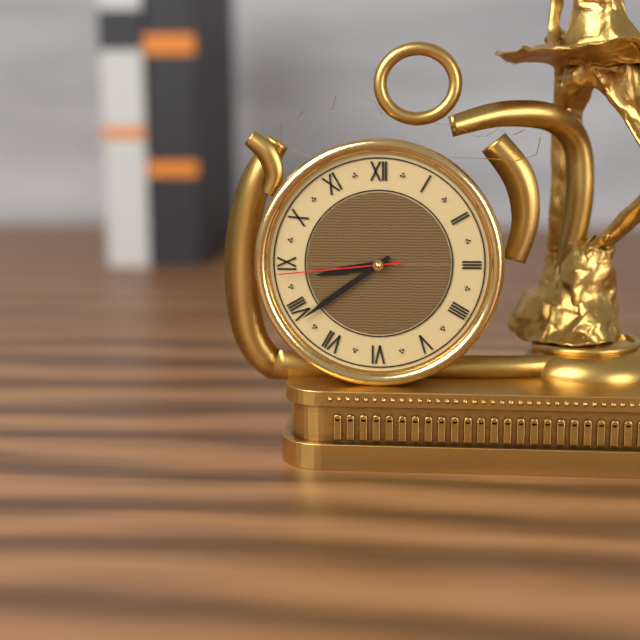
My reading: 8:39:44
